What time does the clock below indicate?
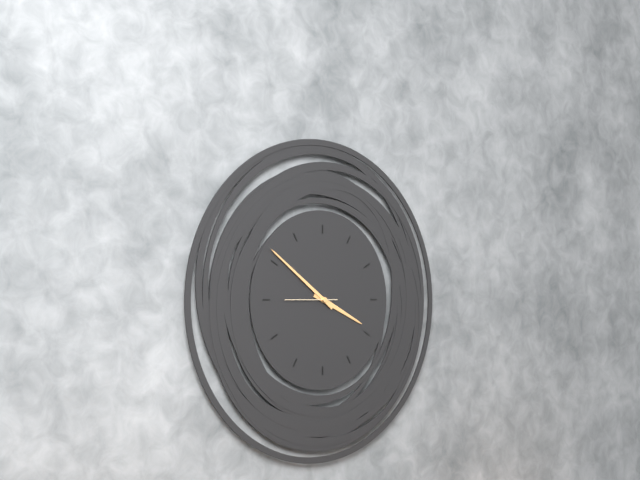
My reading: 3:51
